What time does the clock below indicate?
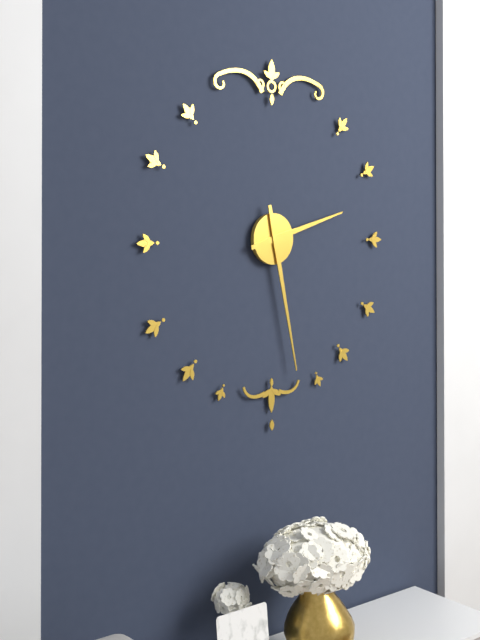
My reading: 2:28
